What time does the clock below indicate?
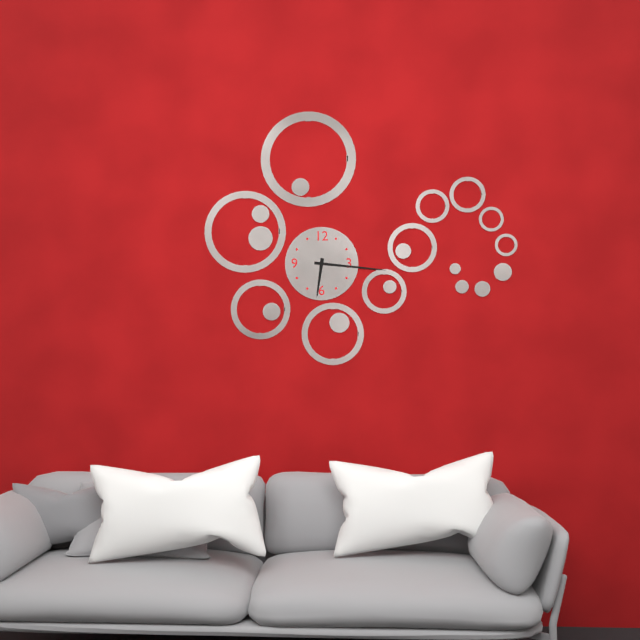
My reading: 6:16
